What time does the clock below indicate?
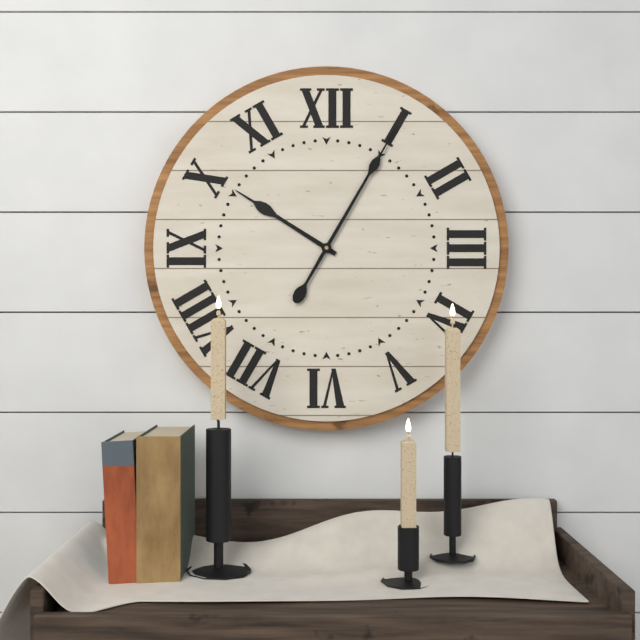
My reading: 10:05
